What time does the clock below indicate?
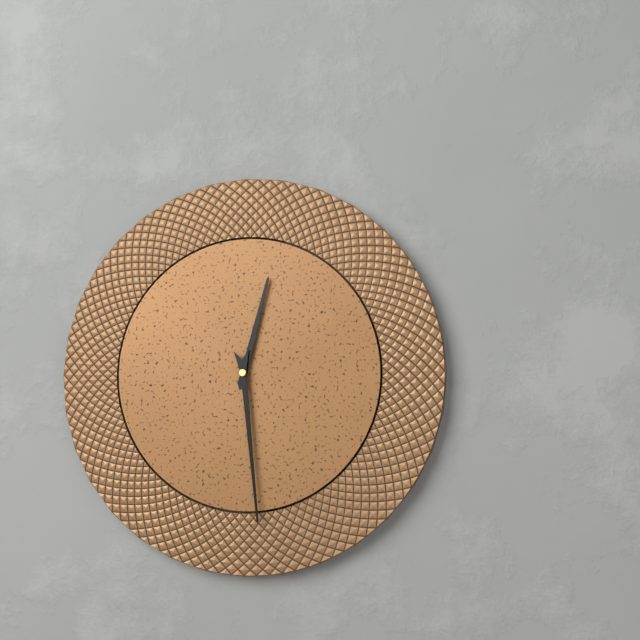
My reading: 12:29
